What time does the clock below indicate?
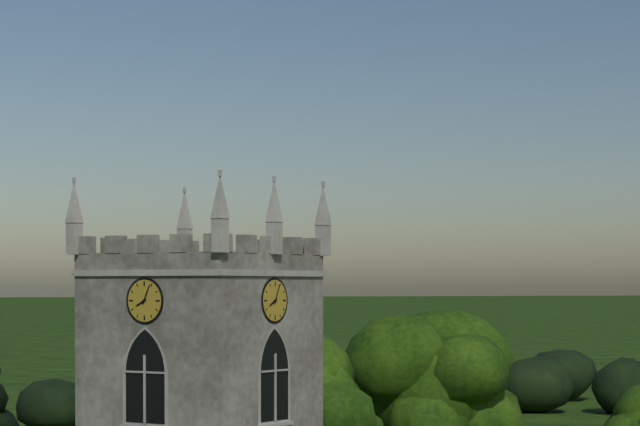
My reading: 8:04
